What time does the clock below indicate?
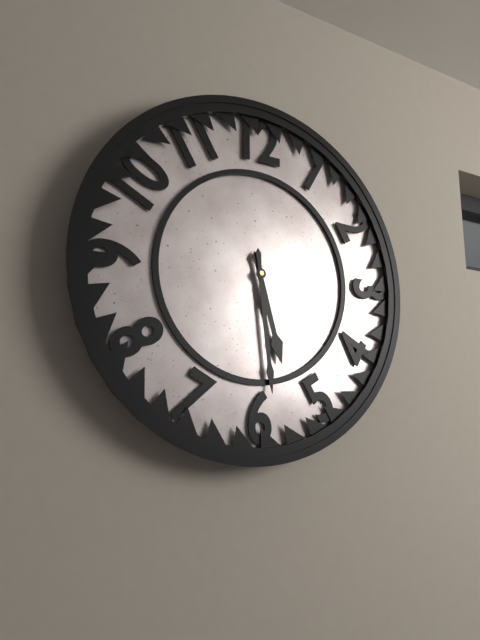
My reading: 5:29
